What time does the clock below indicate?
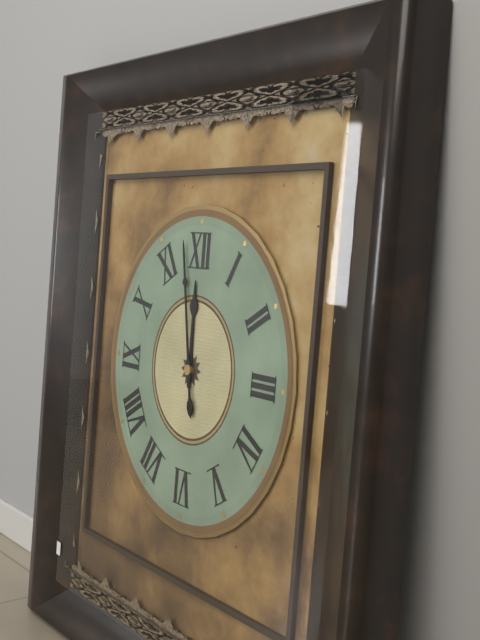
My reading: 11:58
